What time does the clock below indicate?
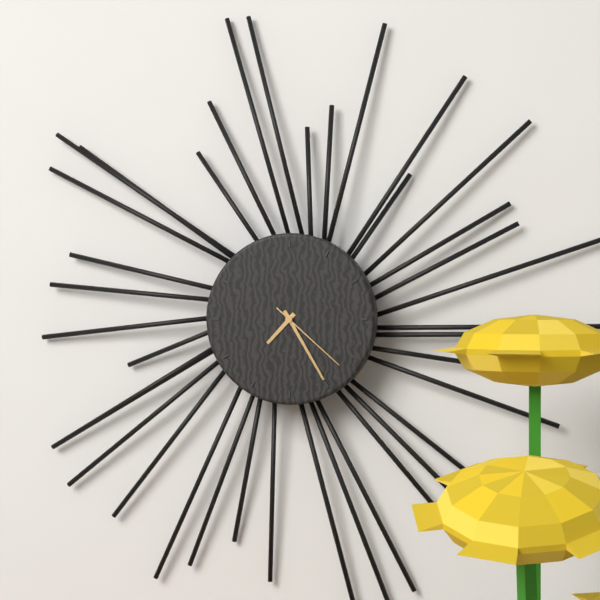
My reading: 7:25:22
